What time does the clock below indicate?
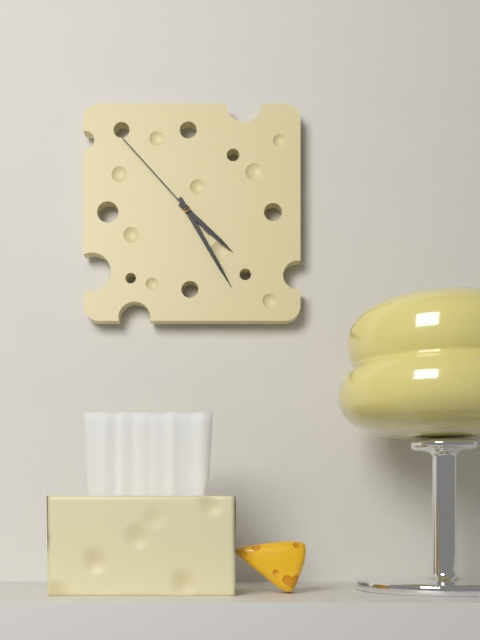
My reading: 4:25:53
